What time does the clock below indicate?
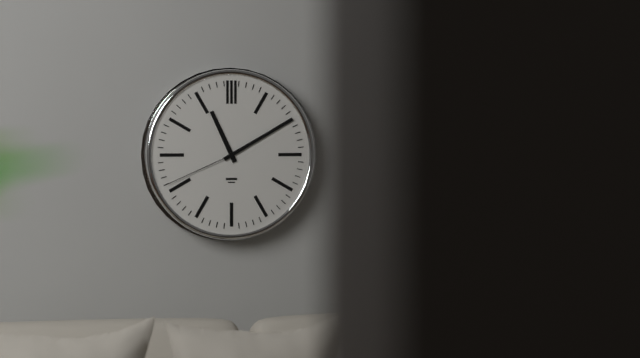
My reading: 11:10:41
